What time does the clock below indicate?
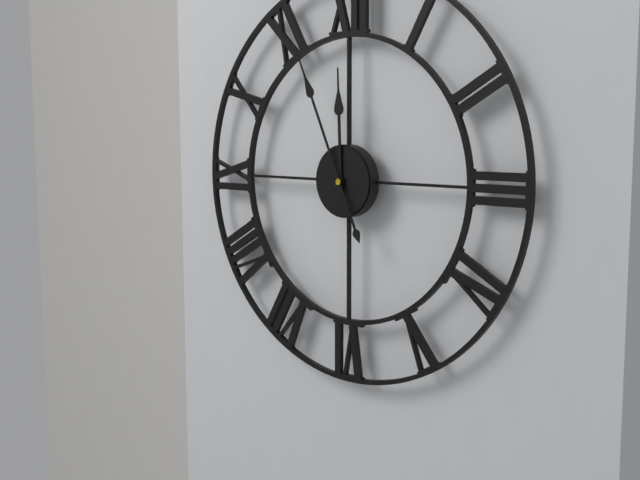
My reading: 11:56
